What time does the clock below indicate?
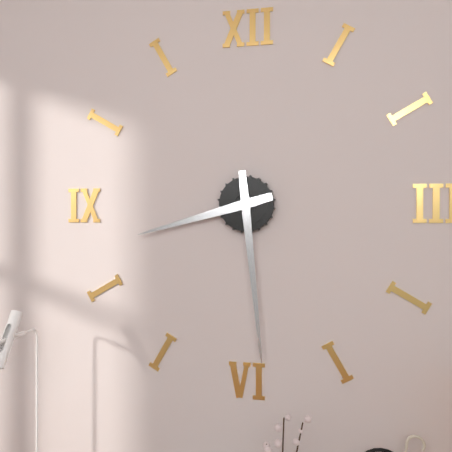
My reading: 8:29
